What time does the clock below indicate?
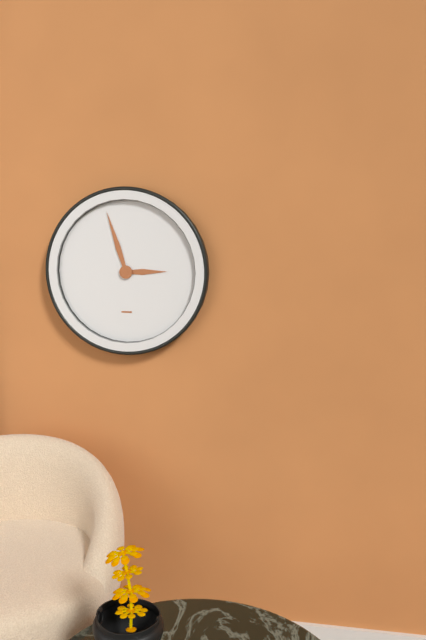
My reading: 2:57
